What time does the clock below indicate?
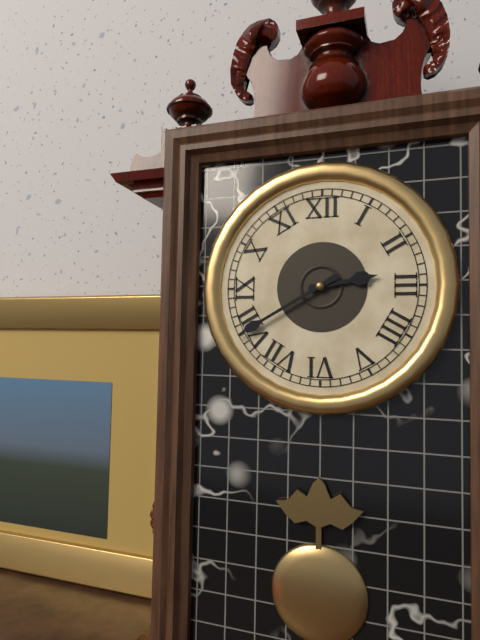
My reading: 2:40
